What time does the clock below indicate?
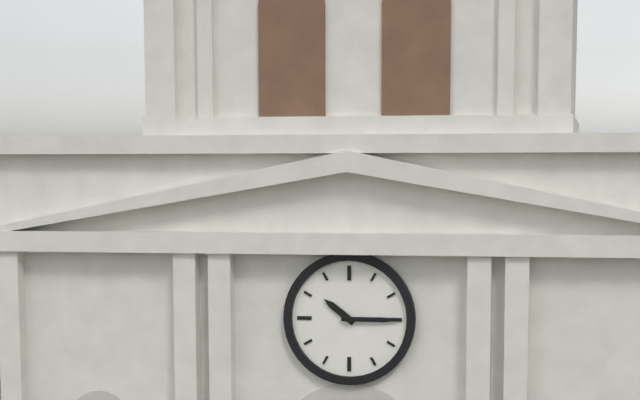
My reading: 10:15
